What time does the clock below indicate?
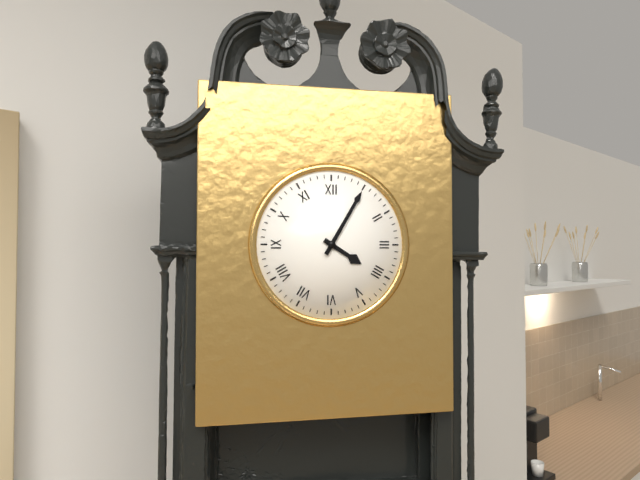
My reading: 4:05
